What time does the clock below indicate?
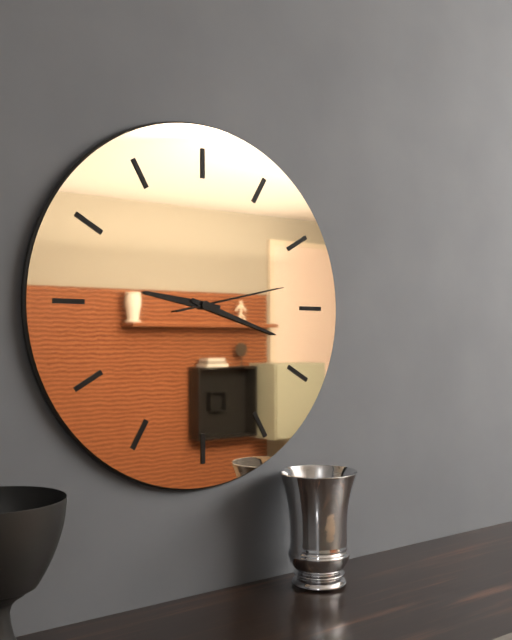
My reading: 9:18:13
